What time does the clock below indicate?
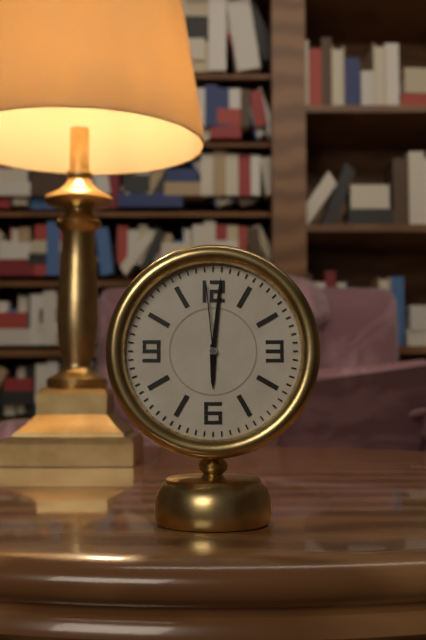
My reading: 6:01:59
